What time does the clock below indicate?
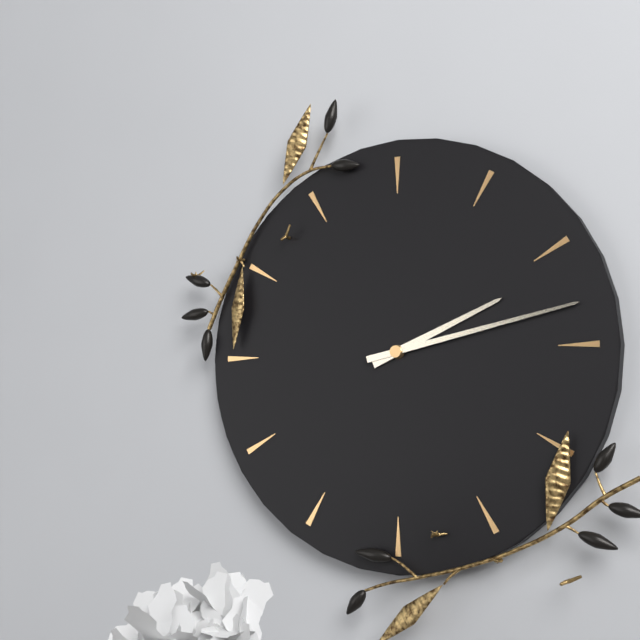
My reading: 2:13
